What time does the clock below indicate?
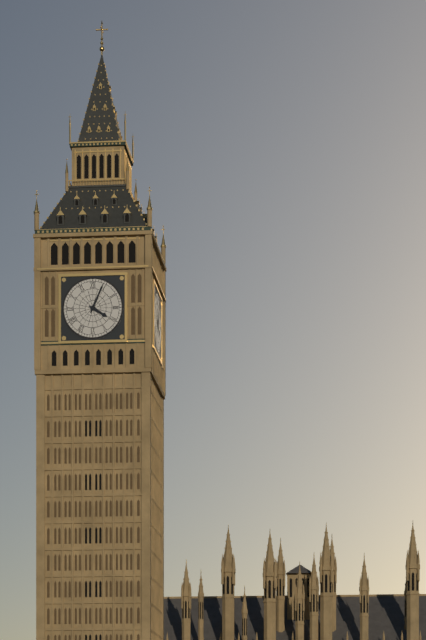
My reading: 4:04
